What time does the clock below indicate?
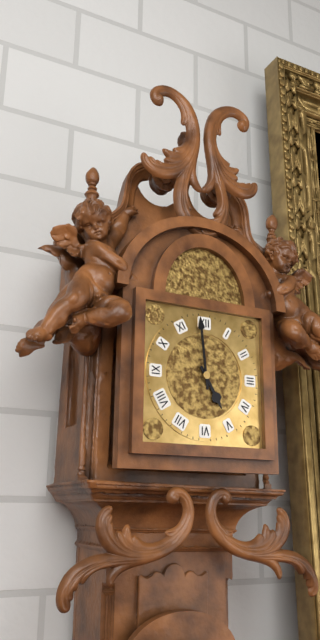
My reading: 4:59
